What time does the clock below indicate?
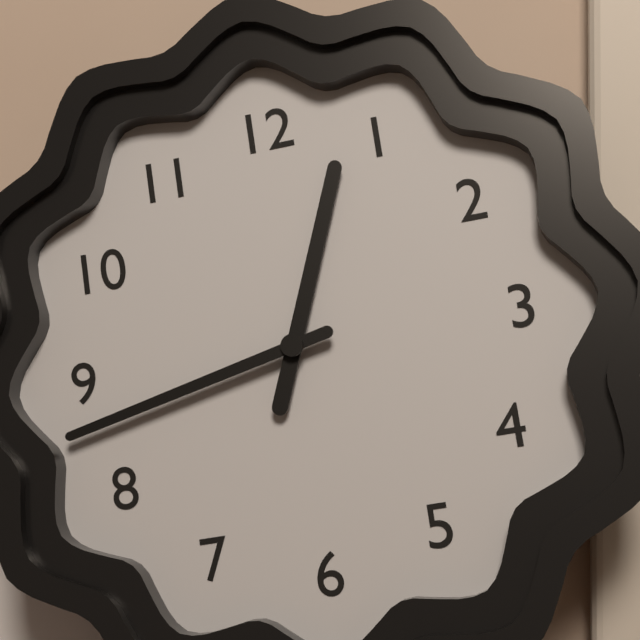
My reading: 12:43
